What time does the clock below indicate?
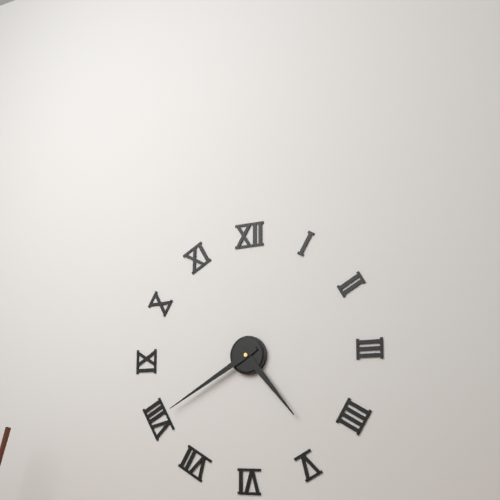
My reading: 4:40
